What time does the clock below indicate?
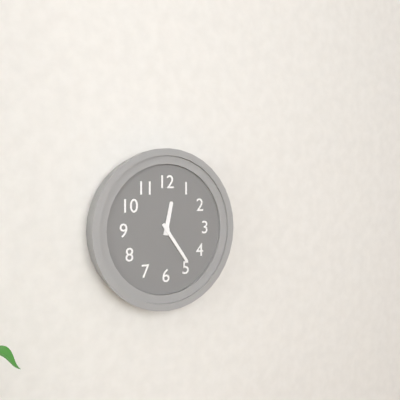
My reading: 12:24
